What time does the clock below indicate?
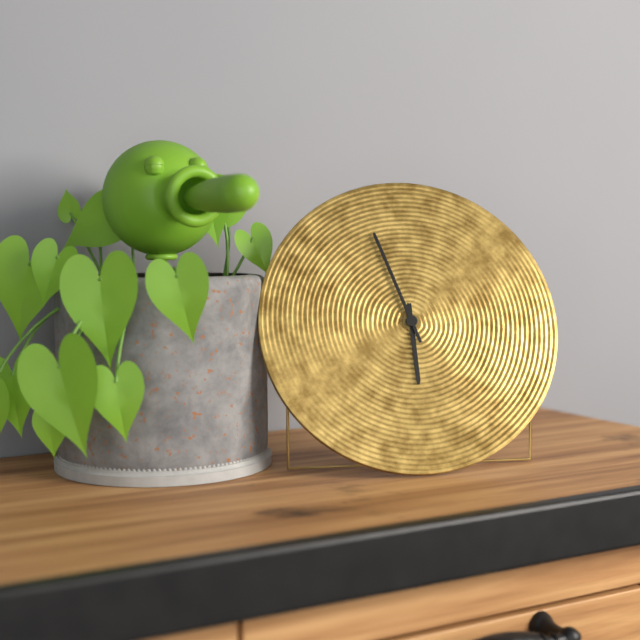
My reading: 5:57
